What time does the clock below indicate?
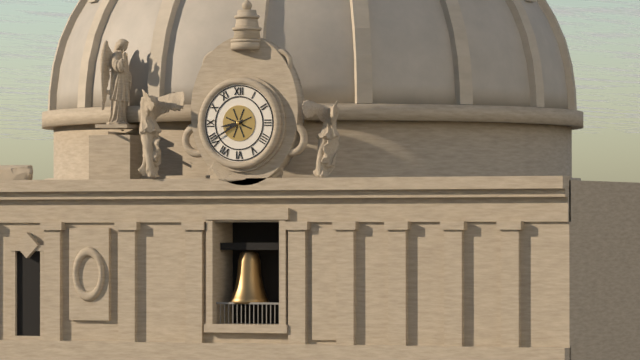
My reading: 8:40
